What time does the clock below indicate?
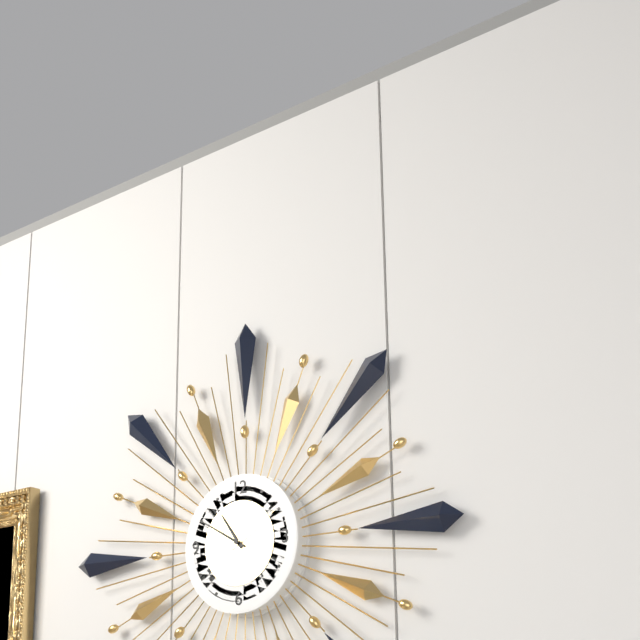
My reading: 10:50:10
